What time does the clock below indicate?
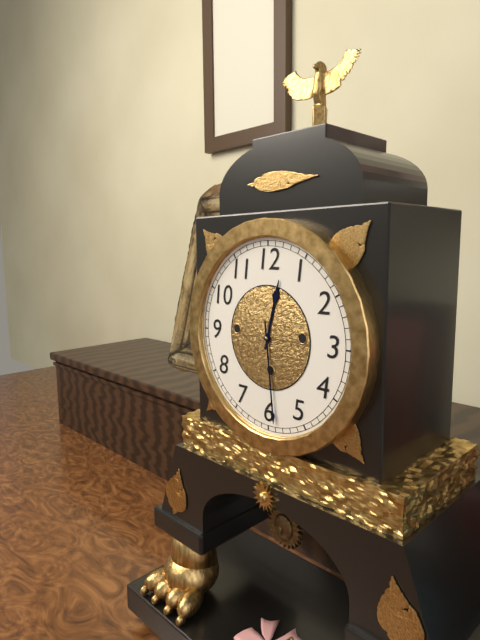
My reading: 12:29
